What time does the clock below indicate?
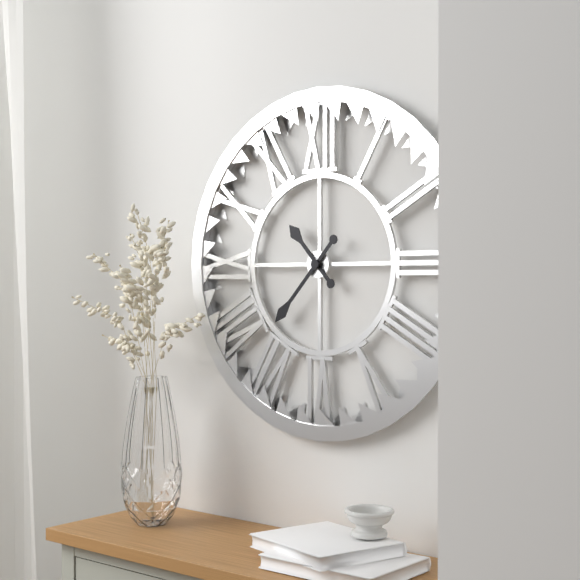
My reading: 10:37
